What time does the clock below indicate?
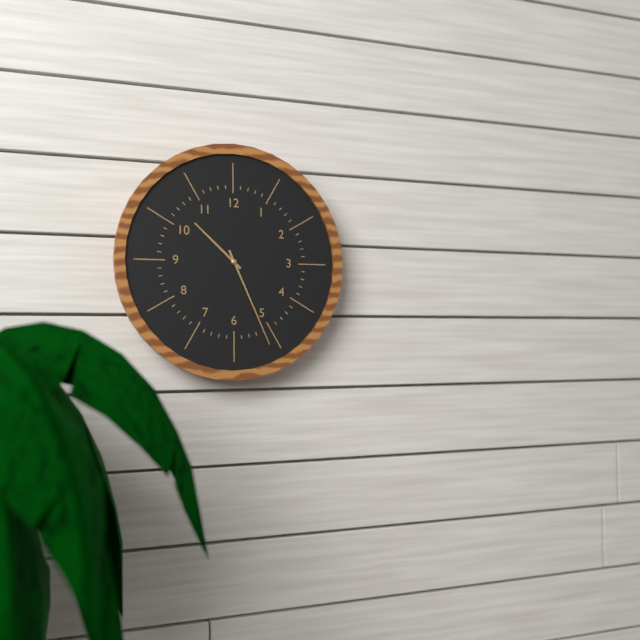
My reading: 10:26
